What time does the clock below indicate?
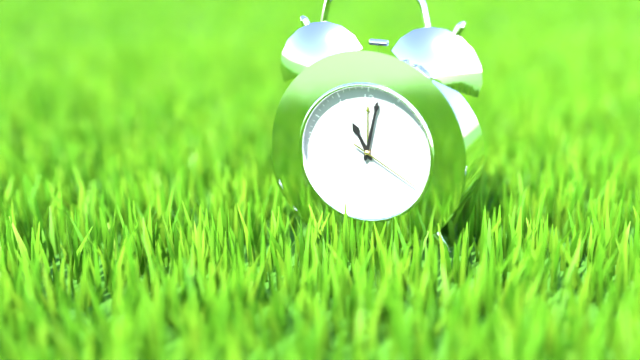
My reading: 11:02:20
